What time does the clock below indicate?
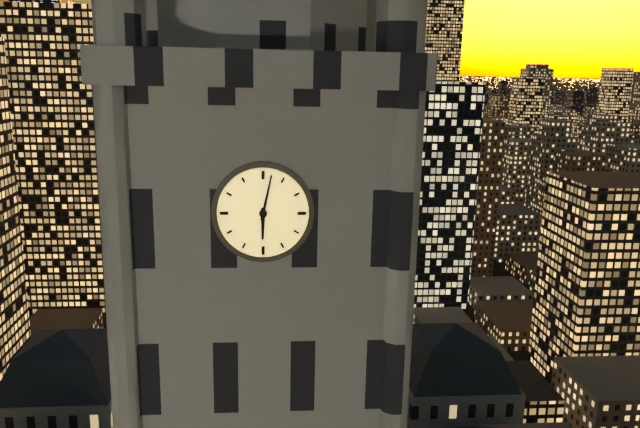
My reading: 6:02
